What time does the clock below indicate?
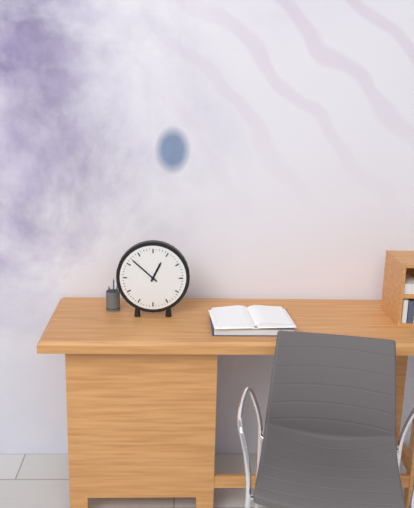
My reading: 12:52
